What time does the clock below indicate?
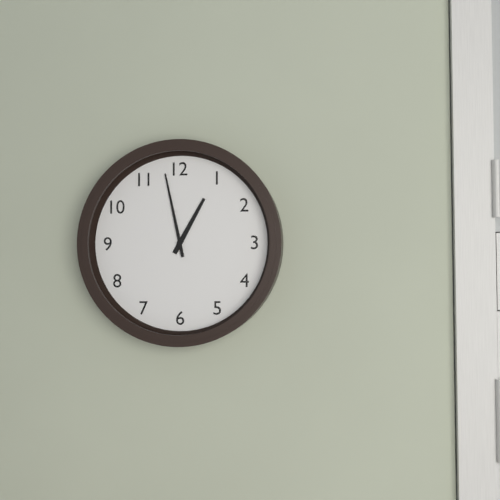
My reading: 12:58
